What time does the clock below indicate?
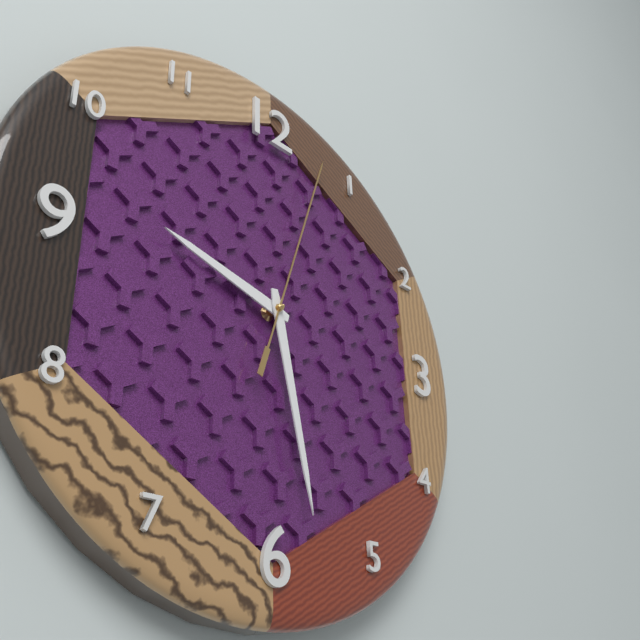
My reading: 9:28:03
